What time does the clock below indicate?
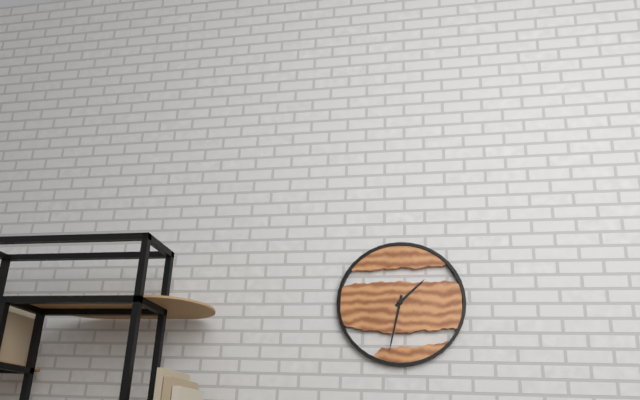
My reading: 1:32
